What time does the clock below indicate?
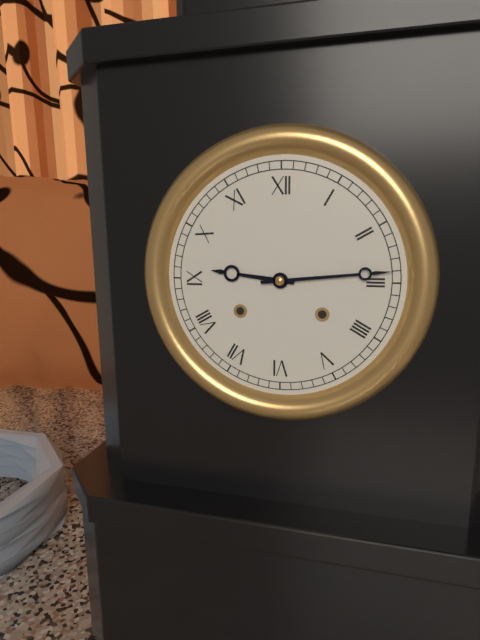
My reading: 9:14
